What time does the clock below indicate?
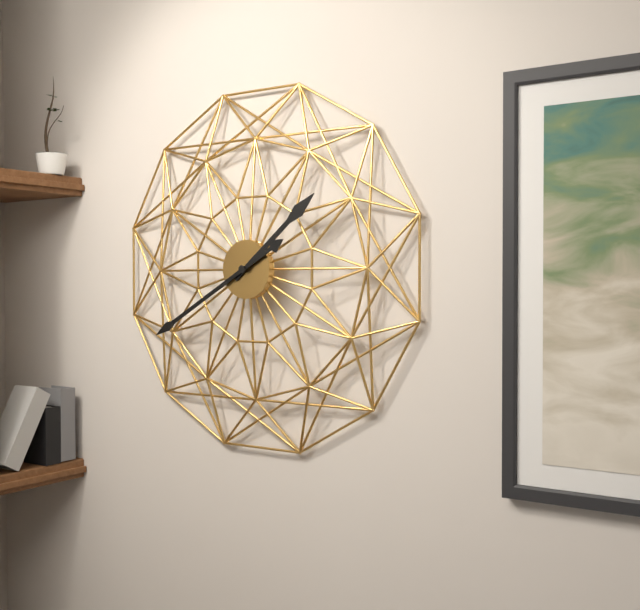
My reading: 1:40
